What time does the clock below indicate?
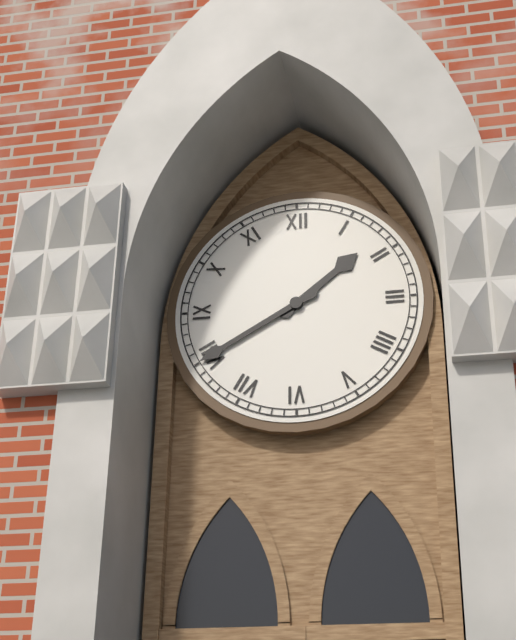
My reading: 1:40
